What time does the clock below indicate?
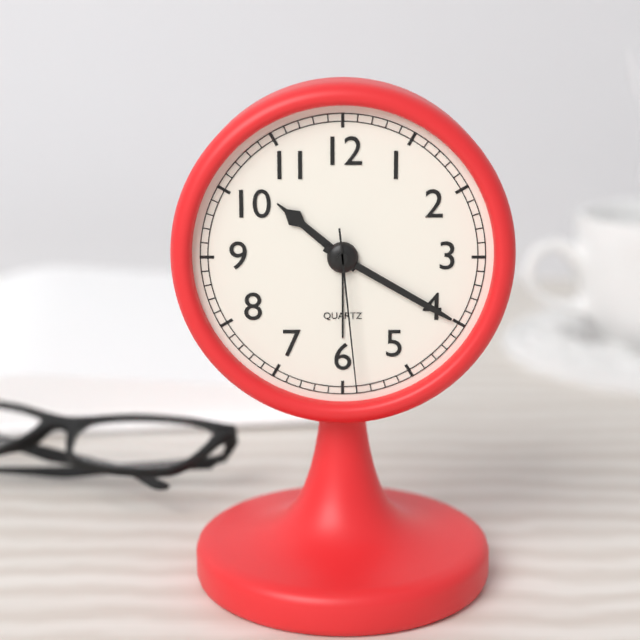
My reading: 10:20:29
